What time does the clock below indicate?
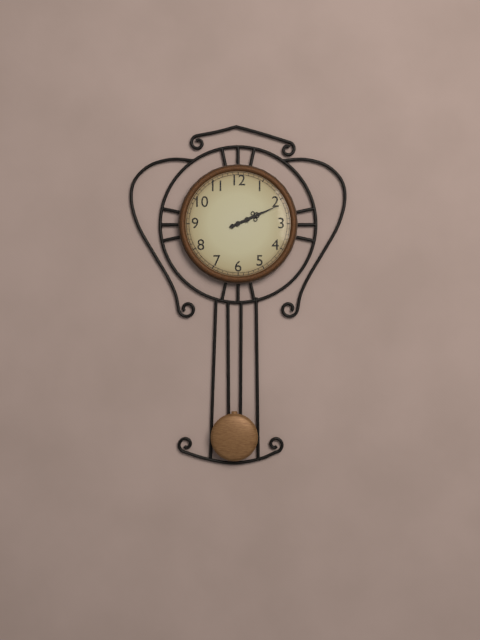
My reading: 2:11
